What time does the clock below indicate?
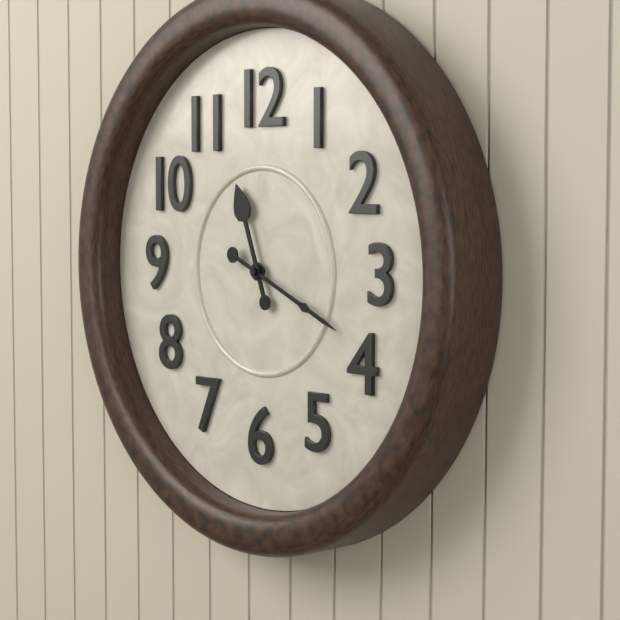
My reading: 11:19
